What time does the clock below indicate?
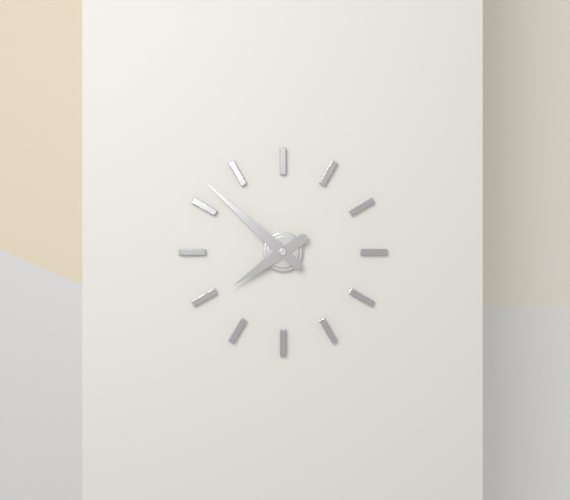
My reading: 7:52
